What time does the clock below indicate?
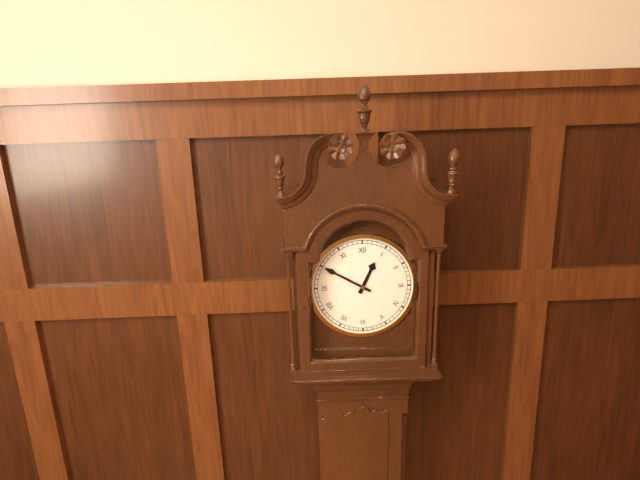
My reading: 12:50
